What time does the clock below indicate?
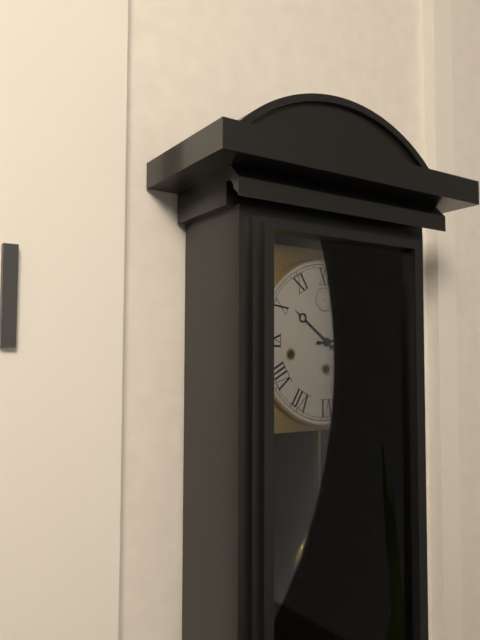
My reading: 10:14
